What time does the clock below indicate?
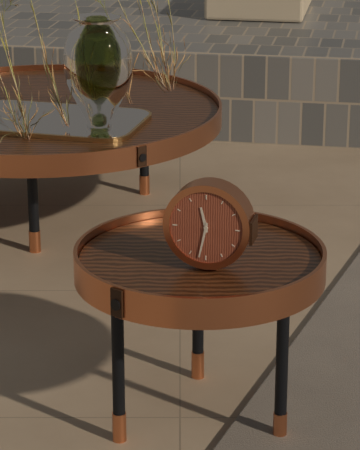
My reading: 11:32
